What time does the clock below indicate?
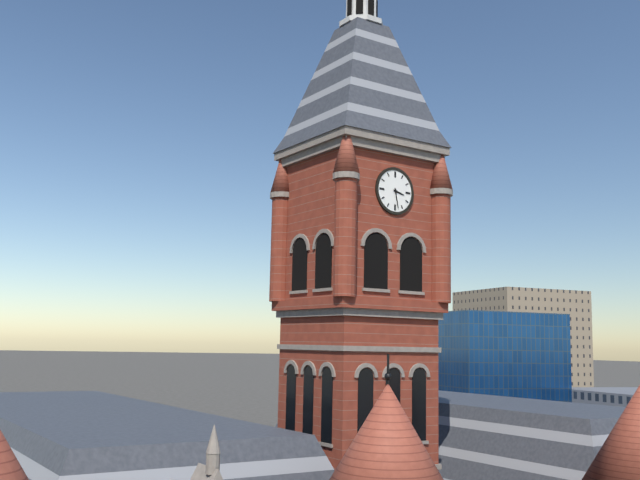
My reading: 3:28
